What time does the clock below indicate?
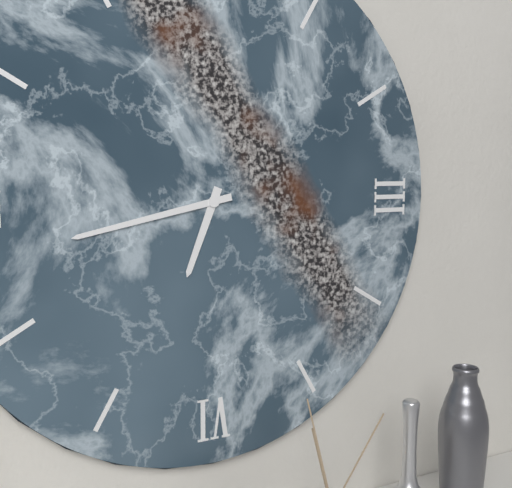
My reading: 6:43
